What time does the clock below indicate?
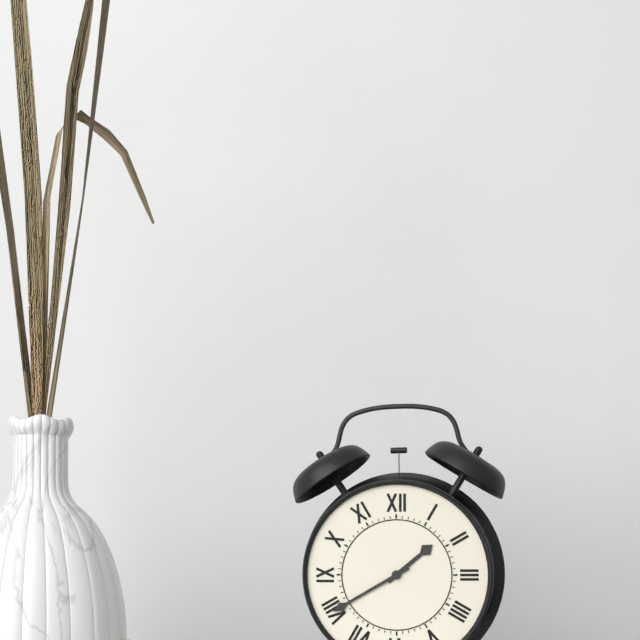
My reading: 1:40
